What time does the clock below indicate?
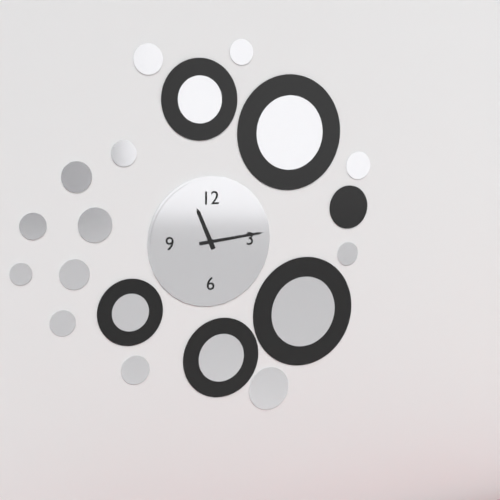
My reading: 11:14
